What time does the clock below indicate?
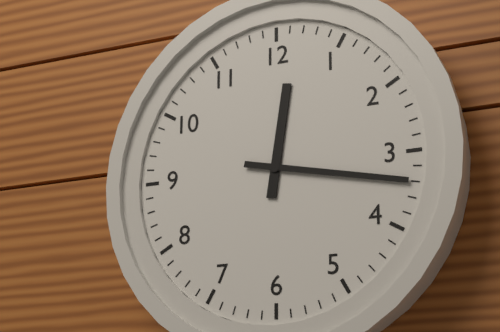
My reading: 12:17
